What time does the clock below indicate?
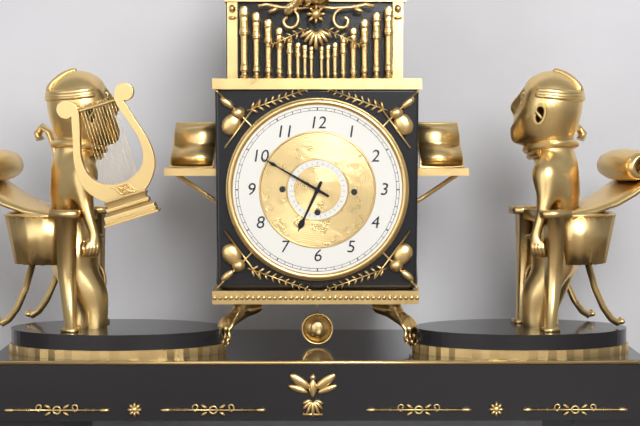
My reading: 6:50
